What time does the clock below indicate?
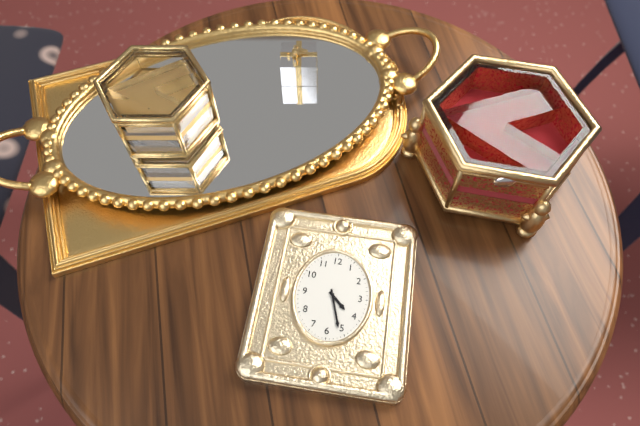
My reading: 4:27
